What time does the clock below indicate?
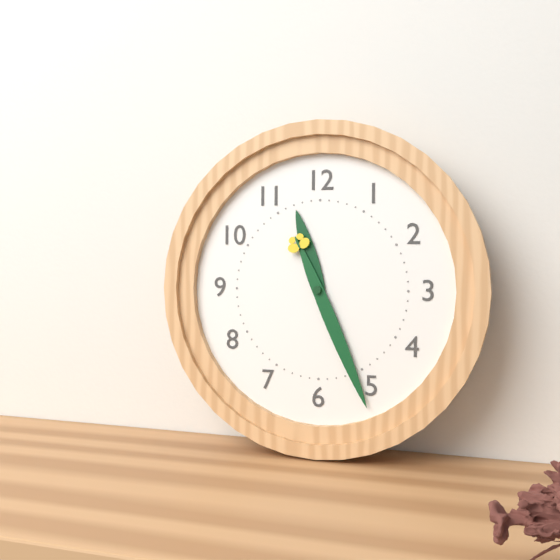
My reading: 11:26
